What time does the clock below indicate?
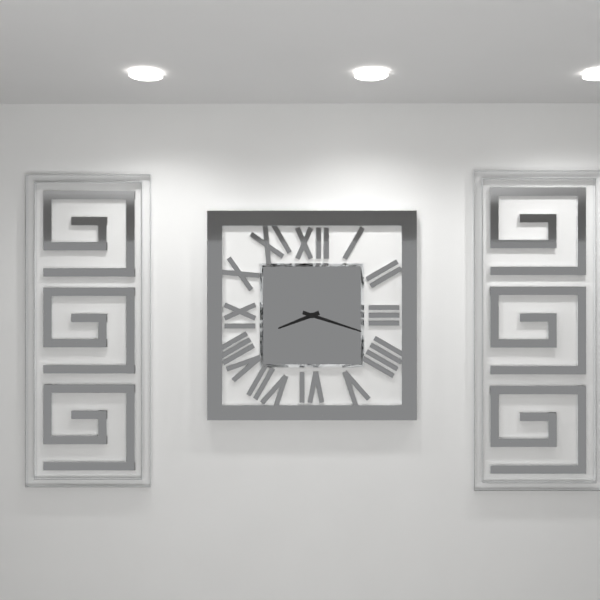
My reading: 8:18
